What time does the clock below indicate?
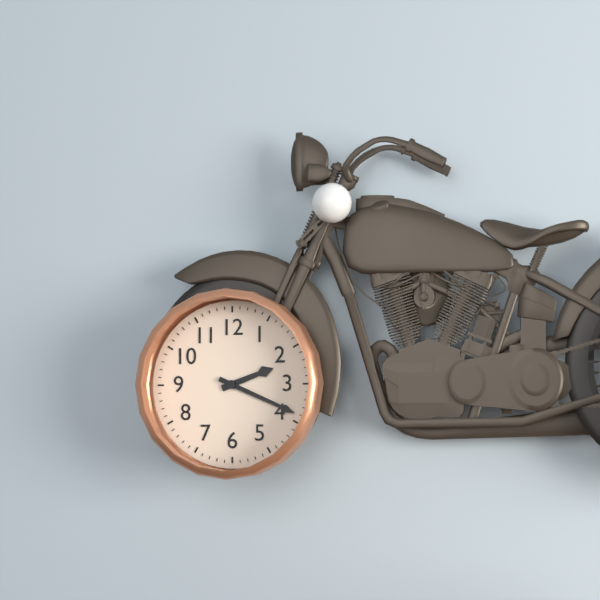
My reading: 2:19
